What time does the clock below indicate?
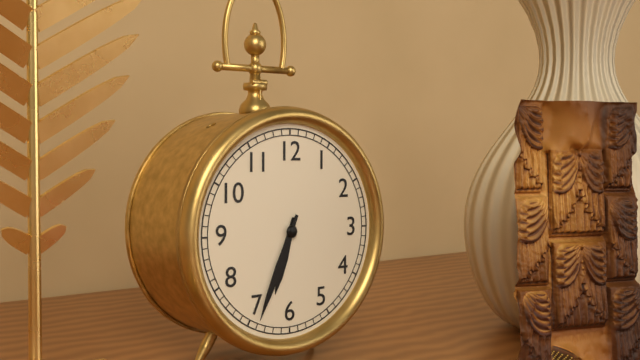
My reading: 6:34
